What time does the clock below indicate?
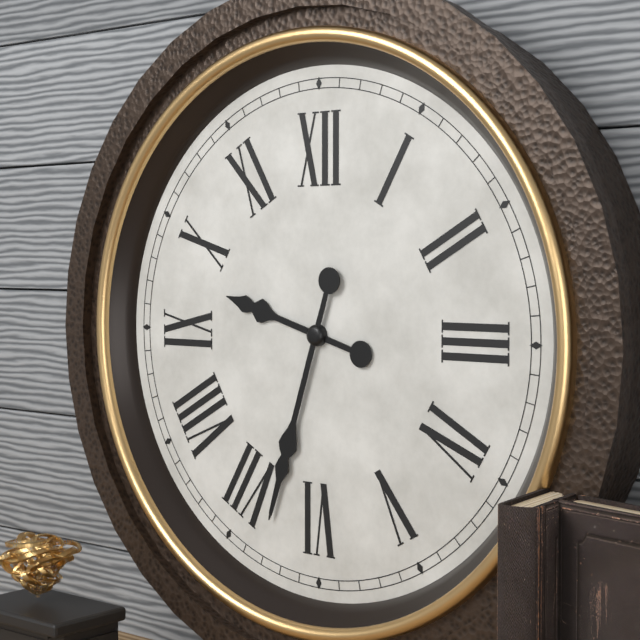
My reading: 9:33
